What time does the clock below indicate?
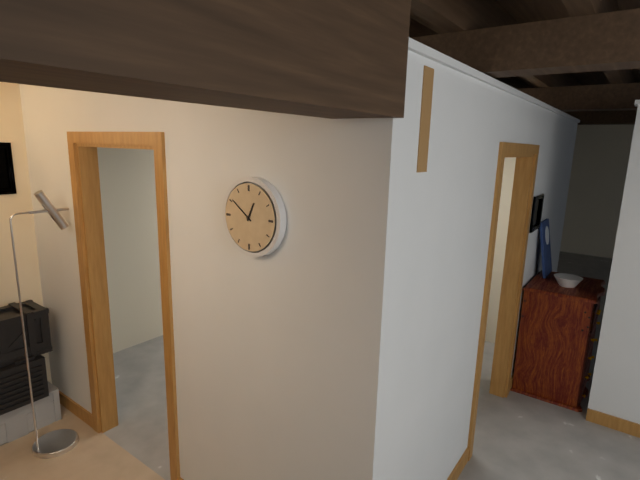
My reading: 12:51
